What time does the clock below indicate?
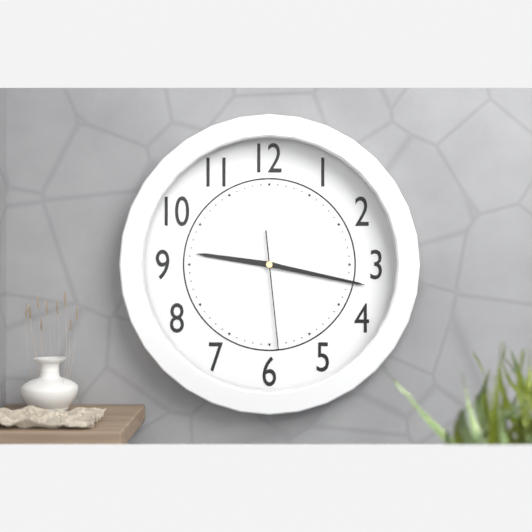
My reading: 9:17:29
